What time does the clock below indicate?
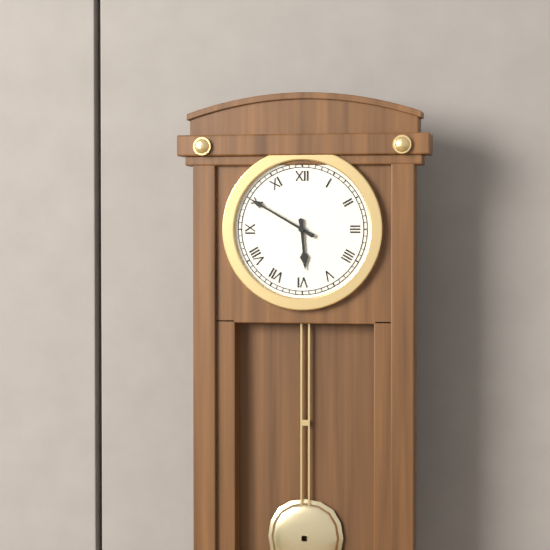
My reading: 5:50
